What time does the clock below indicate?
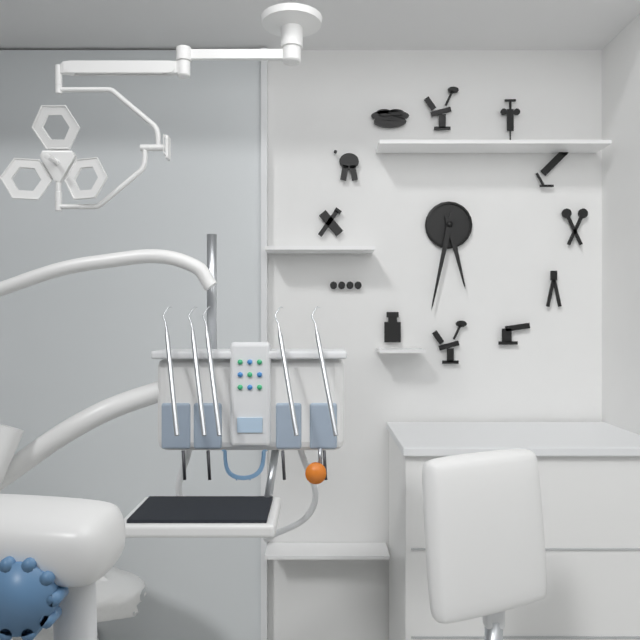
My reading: 5:32
